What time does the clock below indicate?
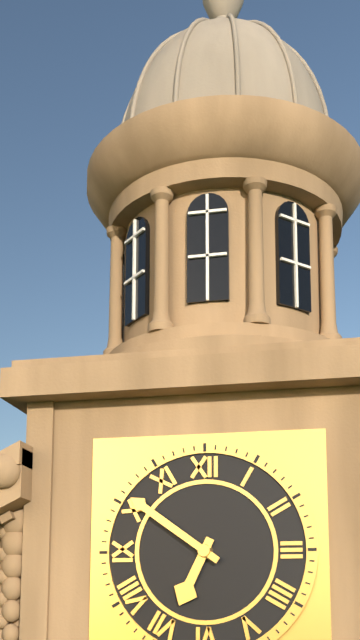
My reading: 6:51
